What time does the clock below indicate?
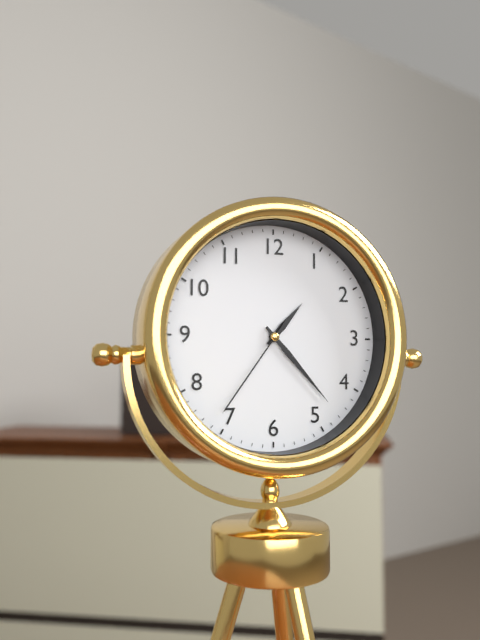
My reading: 1:23:36
